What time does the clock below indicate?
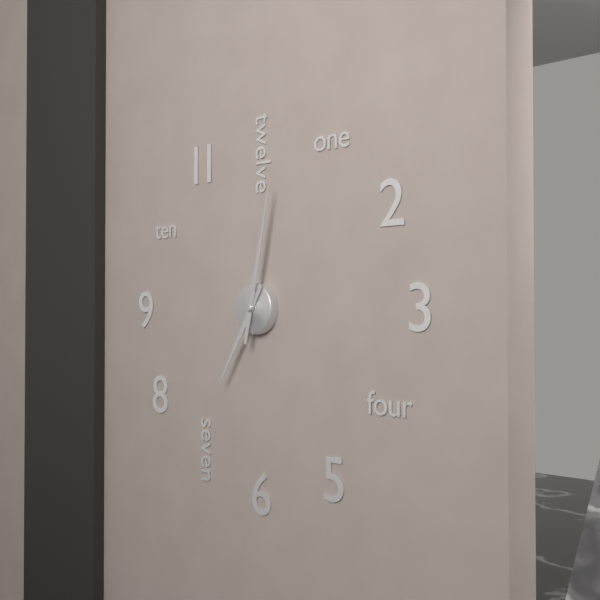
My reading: 7:02
